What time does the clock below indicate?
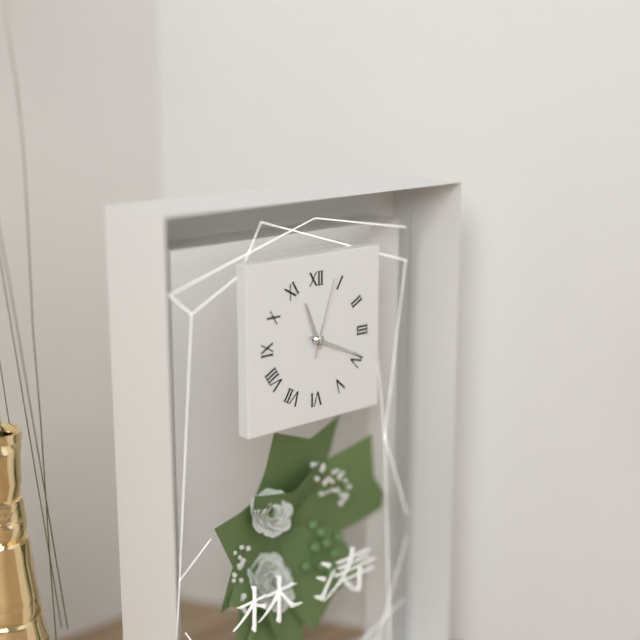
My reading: 11:19:03
